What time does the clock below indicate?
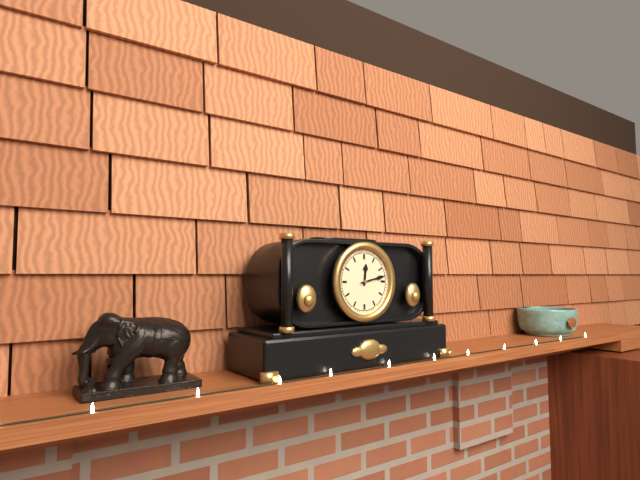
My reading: 12:13
